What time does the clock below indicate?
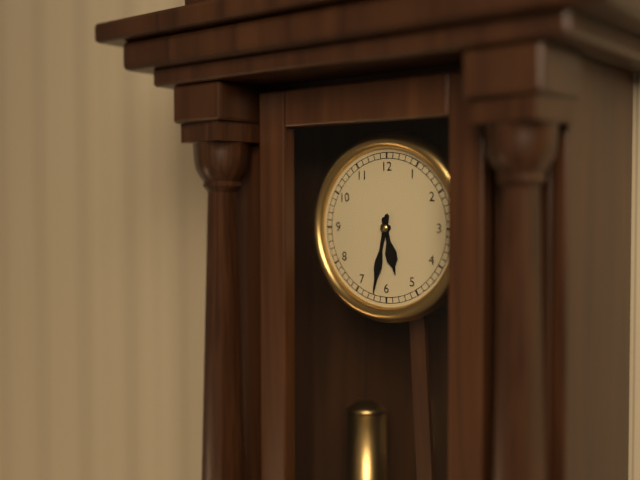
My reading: 5:32
